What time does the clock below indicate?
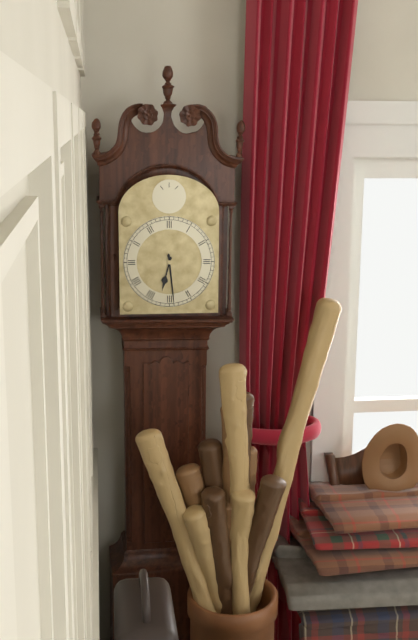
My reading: 6:29
